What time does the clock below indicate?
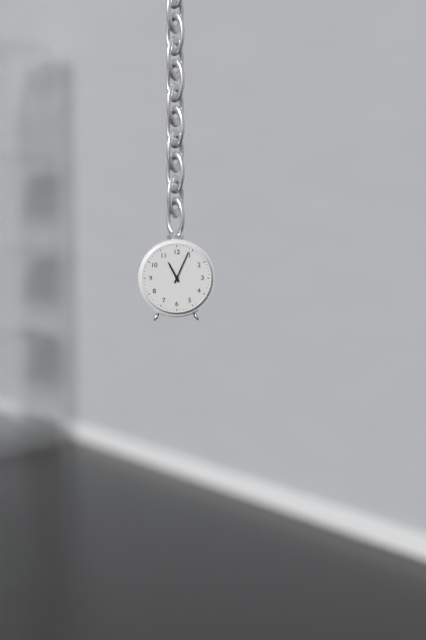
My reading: 11:04
